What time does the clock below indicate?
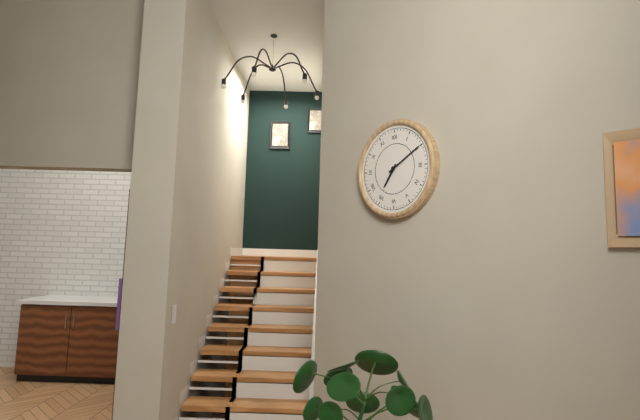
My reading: 7:10
